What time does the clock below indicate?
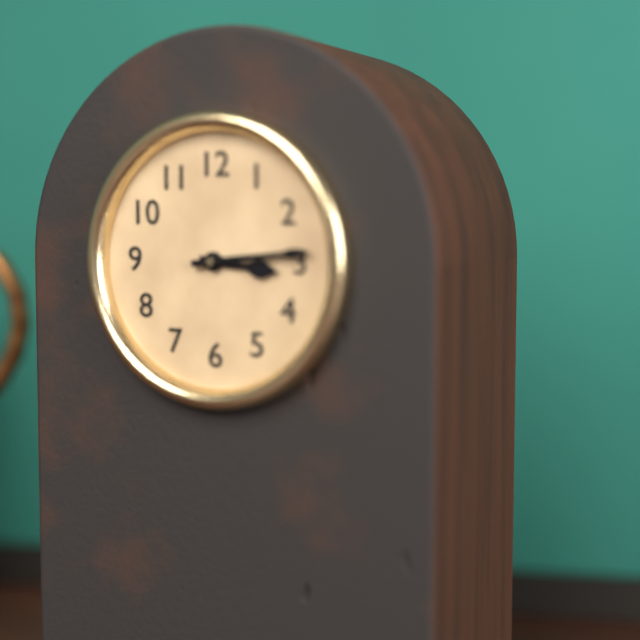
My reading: 3:14
